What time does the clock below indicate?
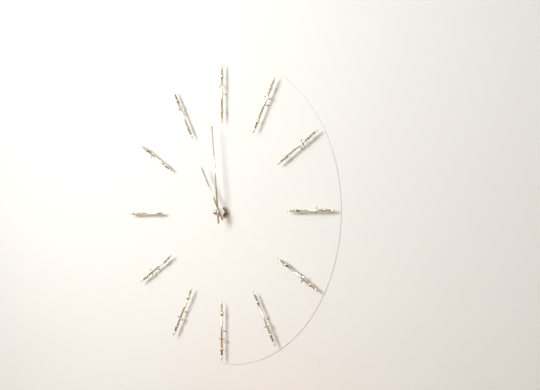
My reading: 10:59
